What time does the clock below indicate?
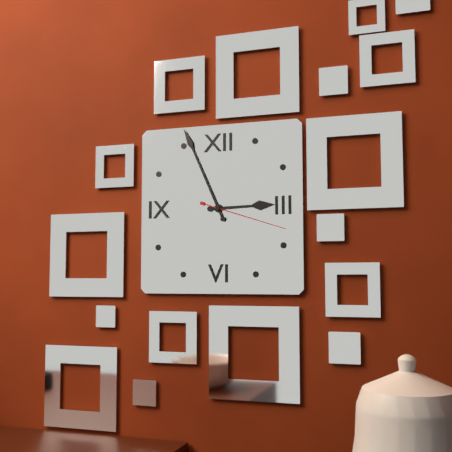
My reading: 2:56:18
